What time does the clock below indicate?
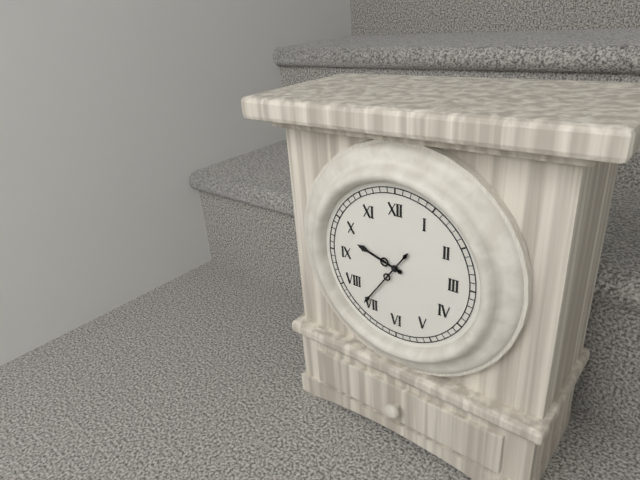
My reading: 9:36
